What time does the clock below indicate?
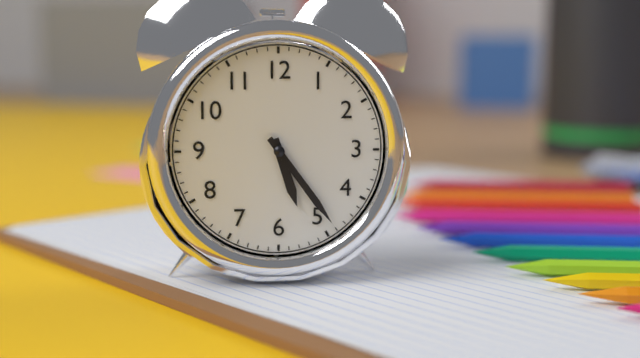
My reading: 5:24
